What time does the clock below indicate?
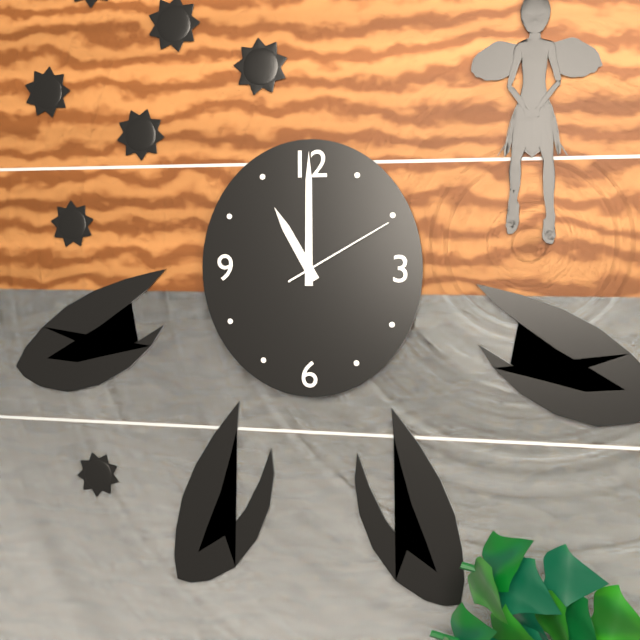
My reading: 11:00:10
